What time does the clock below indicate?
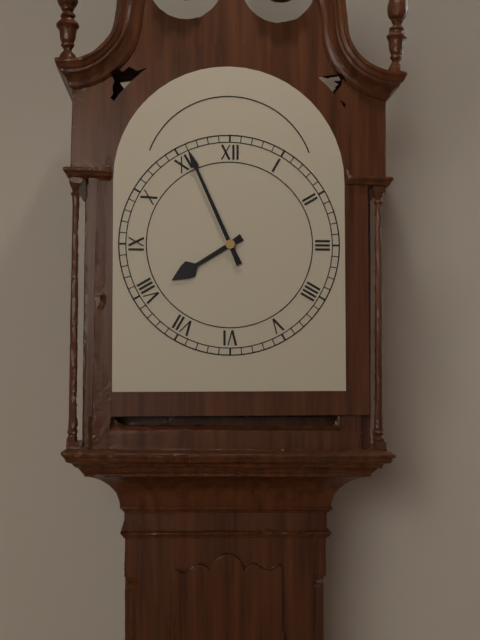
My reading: 7:56
